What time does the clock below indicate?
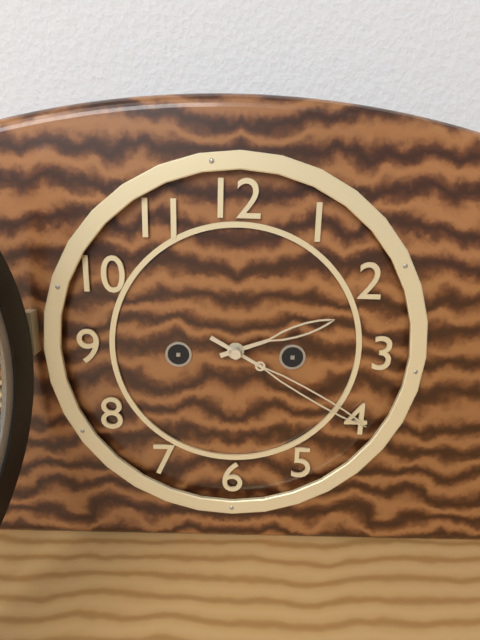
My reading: 2:20
